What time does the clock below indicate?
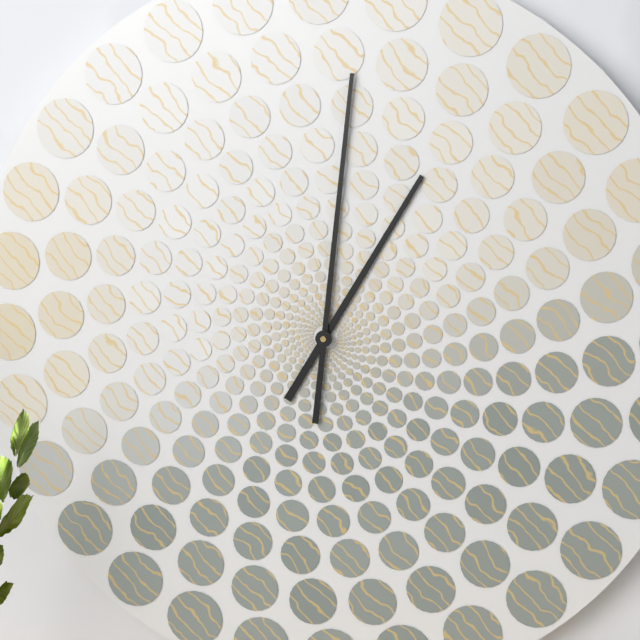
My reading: 1:01
